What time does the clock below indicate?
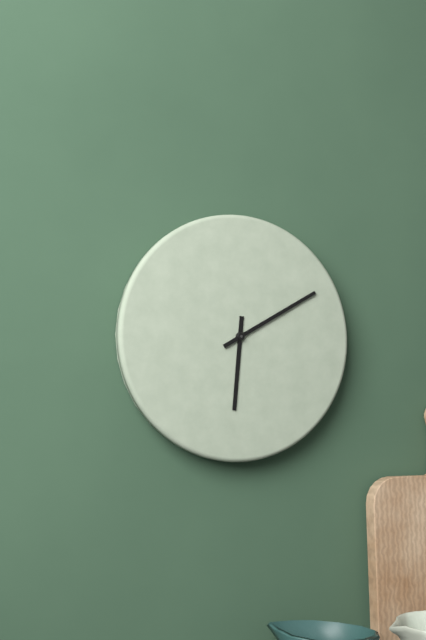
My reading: 6:10
